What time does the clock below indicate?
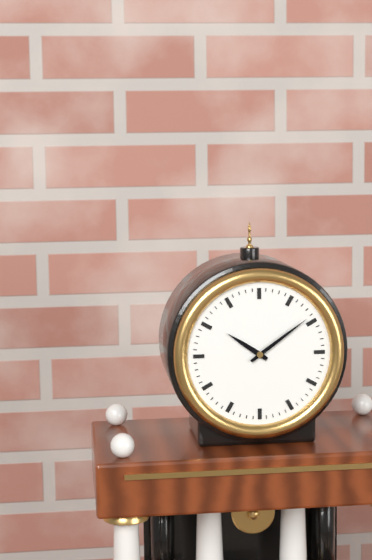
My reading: 10:09
